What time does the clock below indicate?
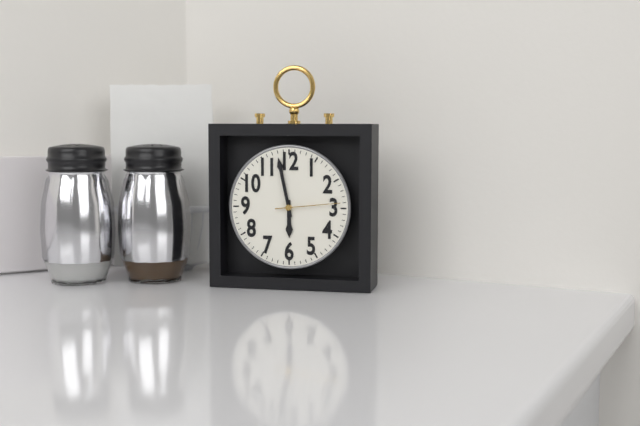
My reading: 5:58:14
